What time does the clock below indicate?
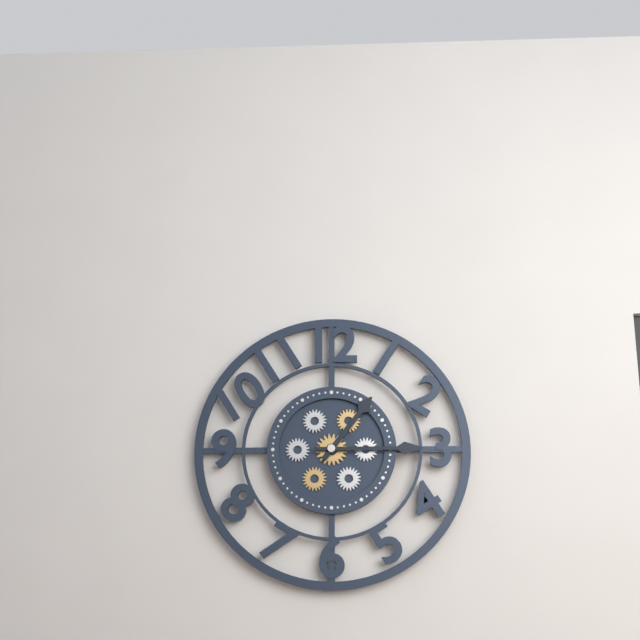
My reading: 1:15
